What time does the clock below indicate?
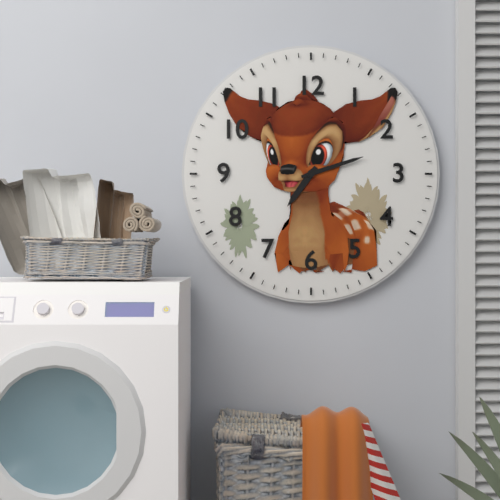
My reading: 7:12
